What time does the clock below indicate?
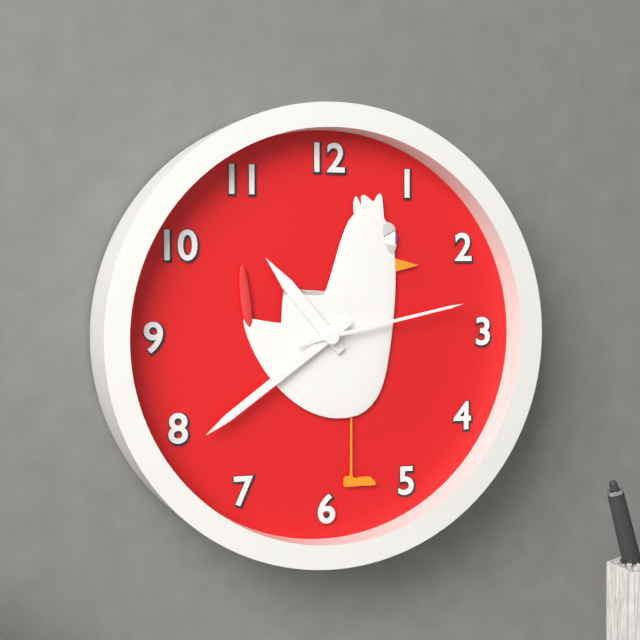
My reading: 10:39:13
